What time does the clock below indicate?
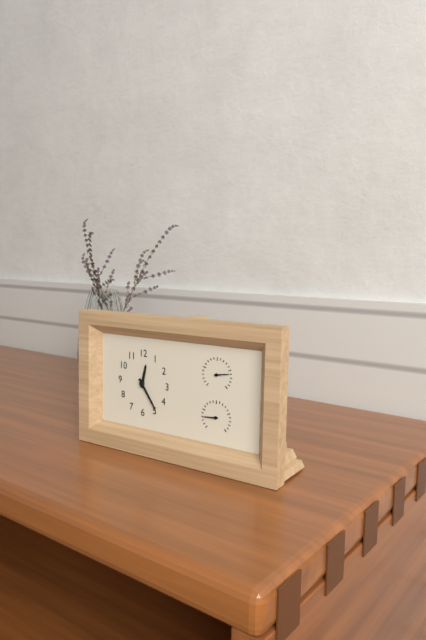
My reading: 12:24
